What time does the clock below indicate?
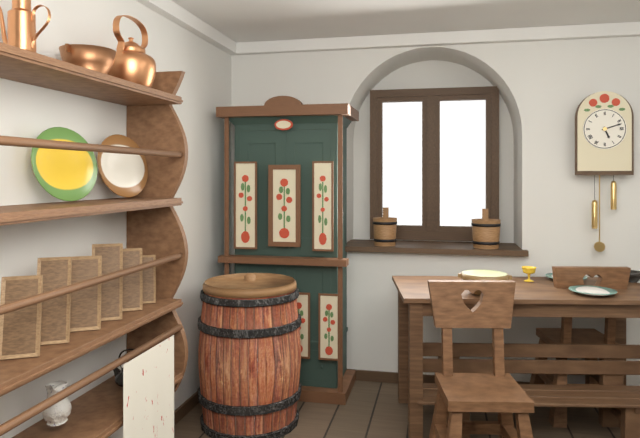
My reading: 5:12
